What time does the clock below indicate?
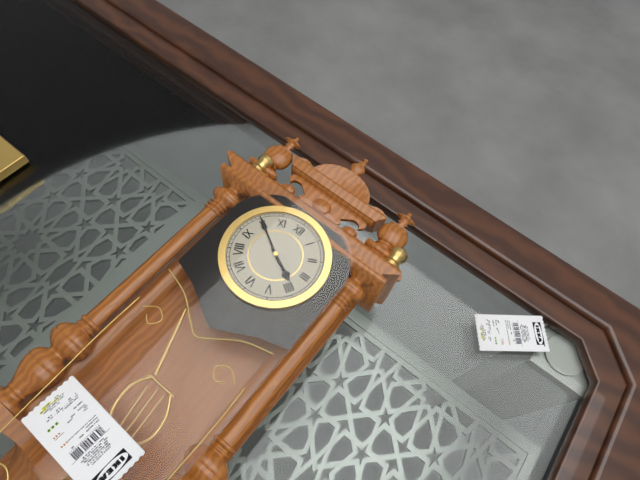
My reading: 3:50
